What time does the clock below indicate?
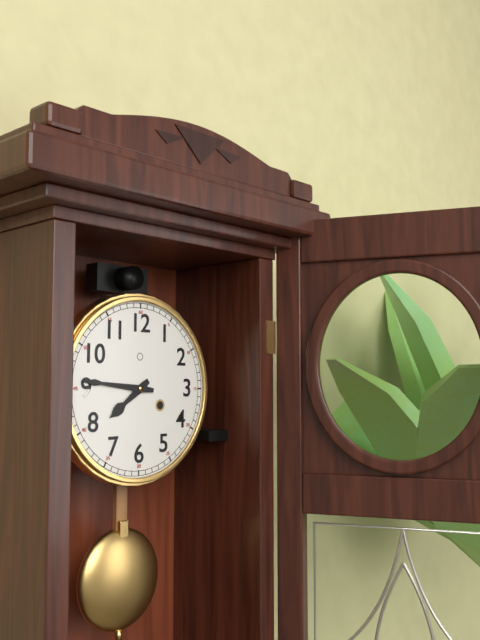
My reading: 7:46
